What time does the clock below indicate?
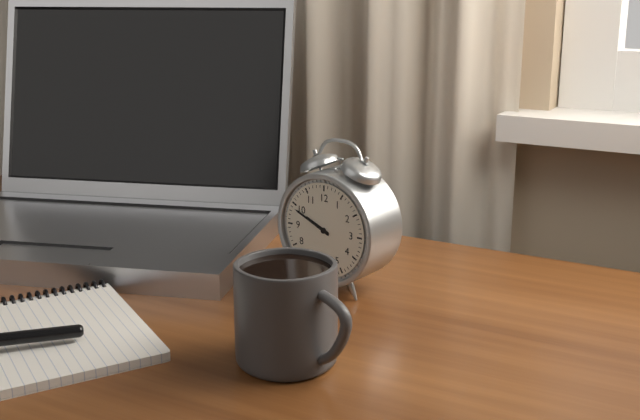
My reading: 9:49
